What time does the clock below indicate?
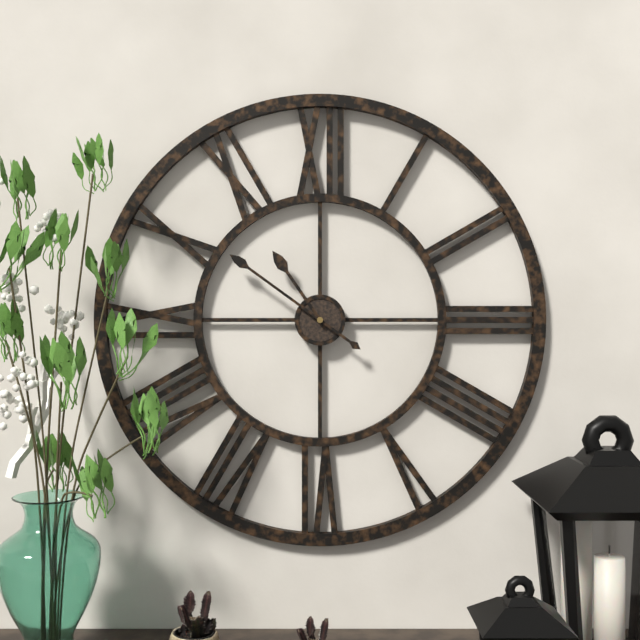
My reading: 10:51
